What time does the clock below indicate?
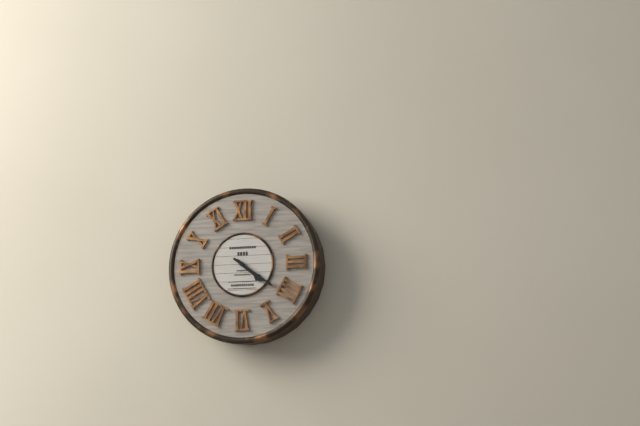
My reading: 4:21
